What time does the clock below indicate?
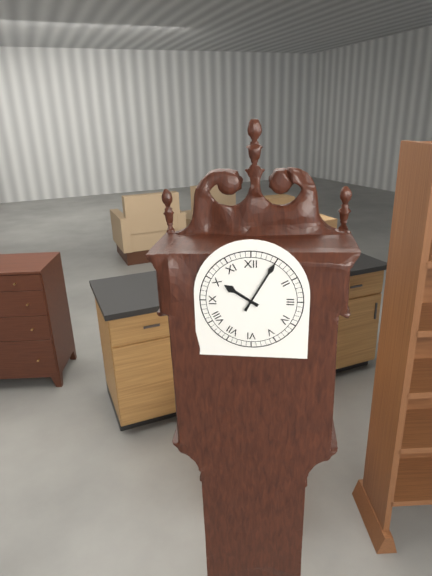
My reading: 10:05
